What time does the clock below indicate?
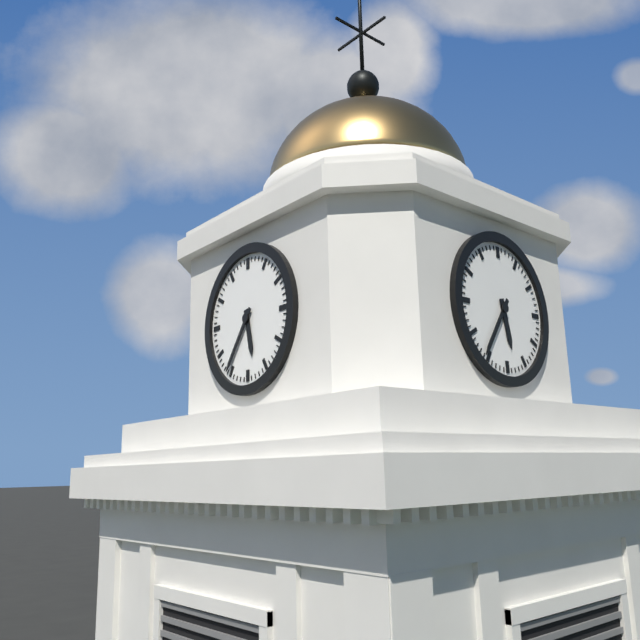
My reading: 5:36
